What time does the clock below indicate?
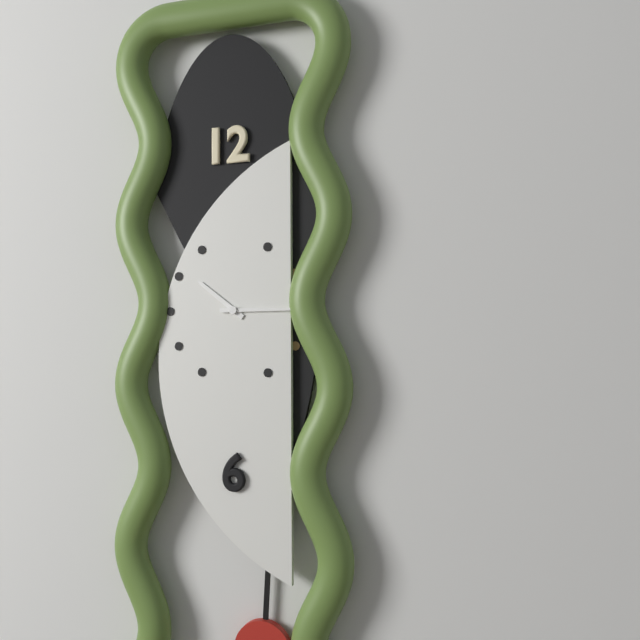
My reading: 10:15
